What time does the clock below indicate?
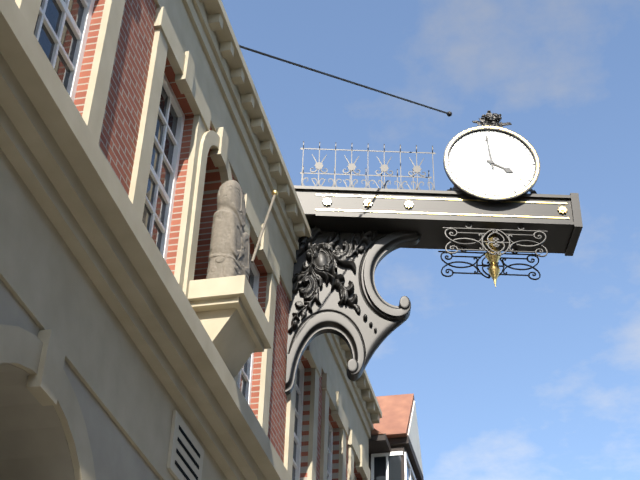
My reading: 3:59
